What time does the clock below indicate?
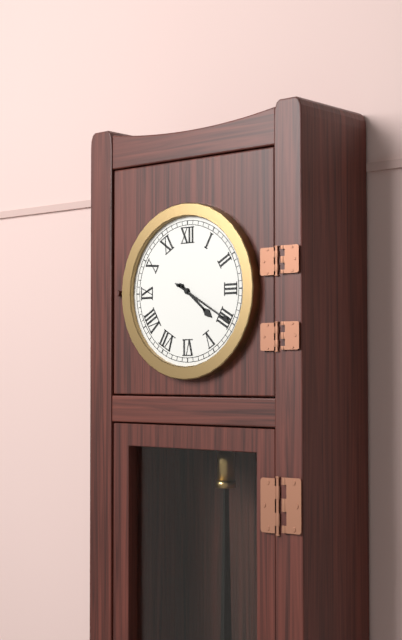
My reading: 4:20
